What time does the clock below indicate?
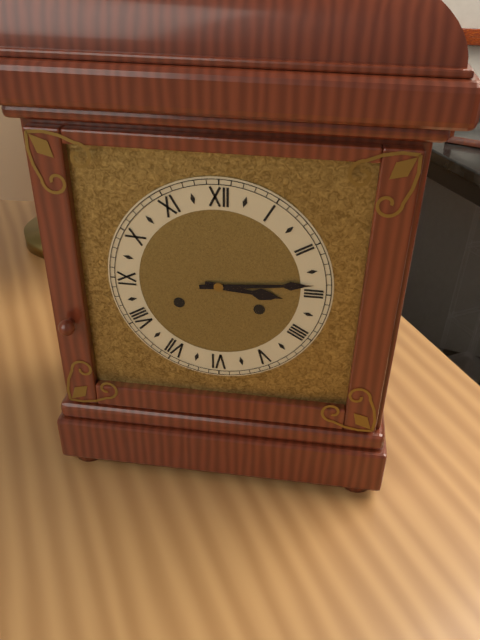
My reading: 3:14
